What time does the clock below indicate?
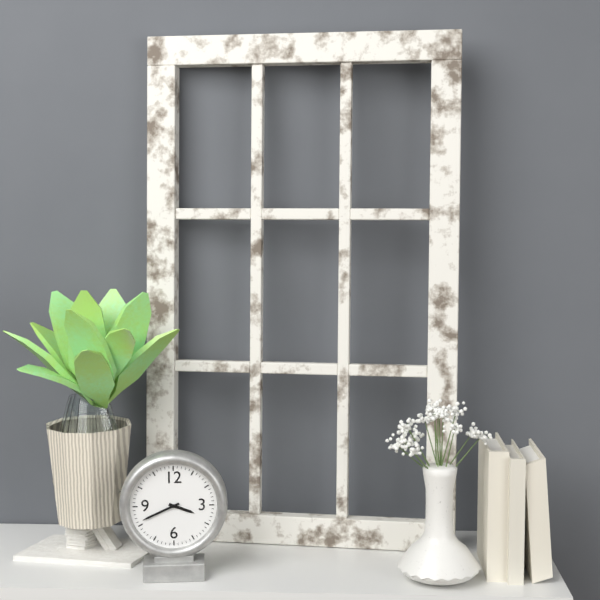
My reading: 3:41
